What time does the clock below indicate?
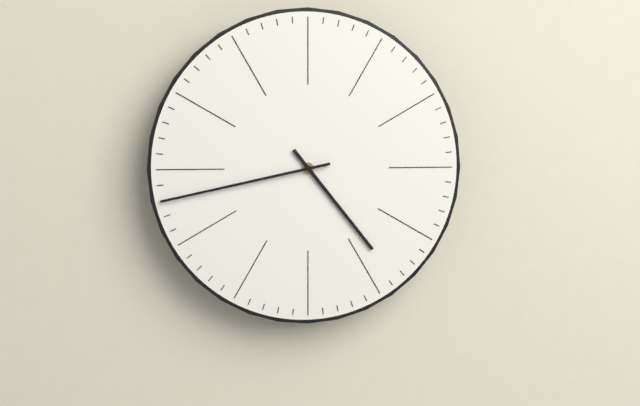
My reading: 4:43
